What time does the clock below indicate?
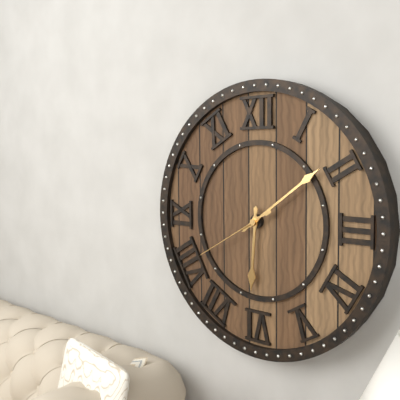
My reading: 6:09:40
